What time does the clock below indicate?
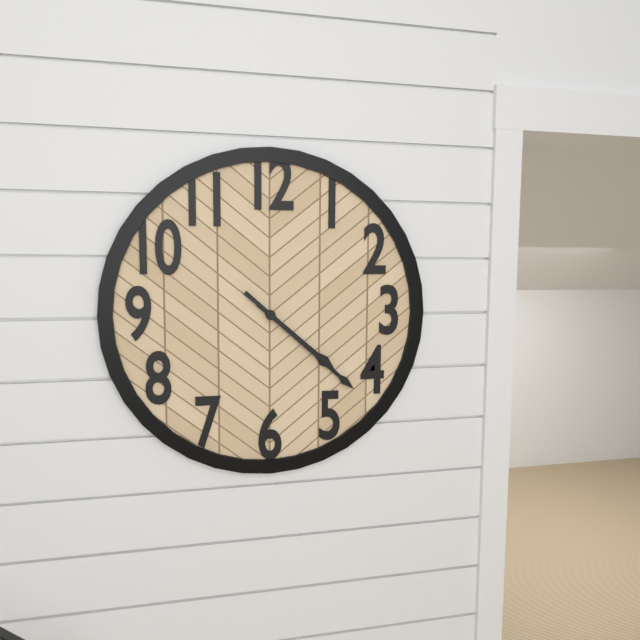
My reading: 4:22
